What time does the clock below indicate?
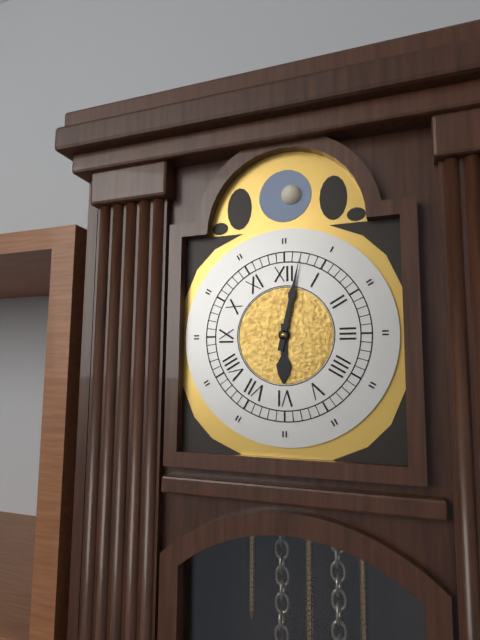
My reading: 6:02
